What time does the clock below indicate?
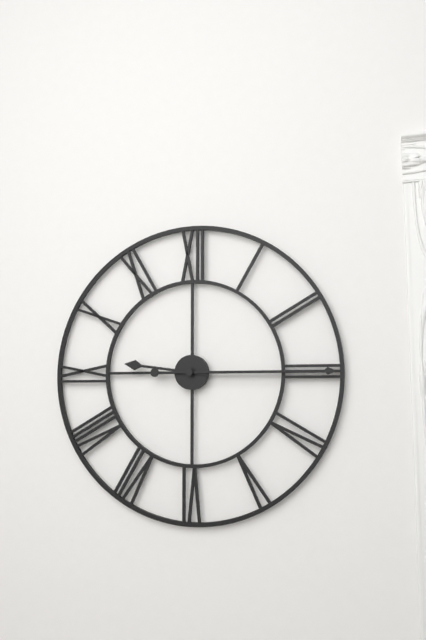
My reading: 9:15
